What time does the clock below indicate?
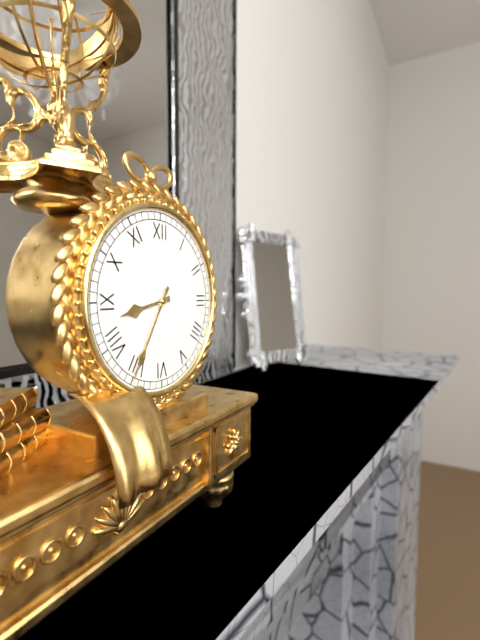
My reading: 8:35
